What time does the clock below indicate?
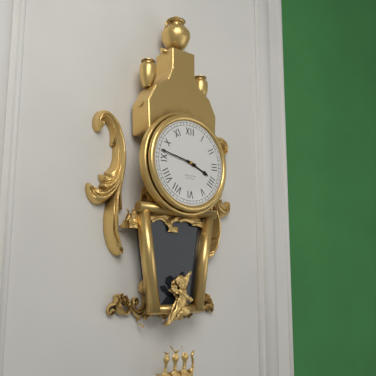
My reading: 3:47
